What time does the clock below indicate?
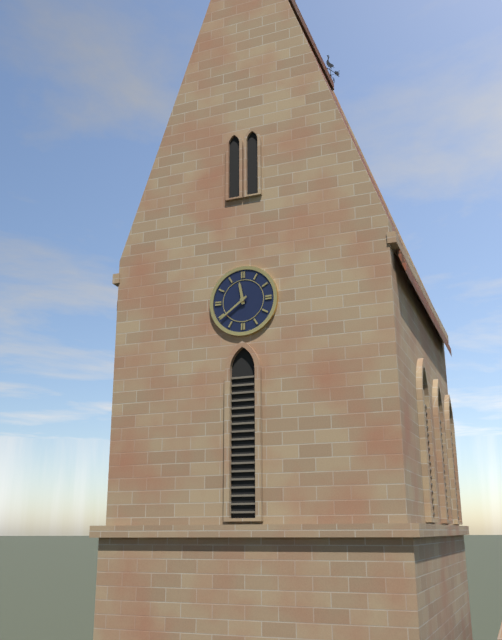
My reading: 11:39
